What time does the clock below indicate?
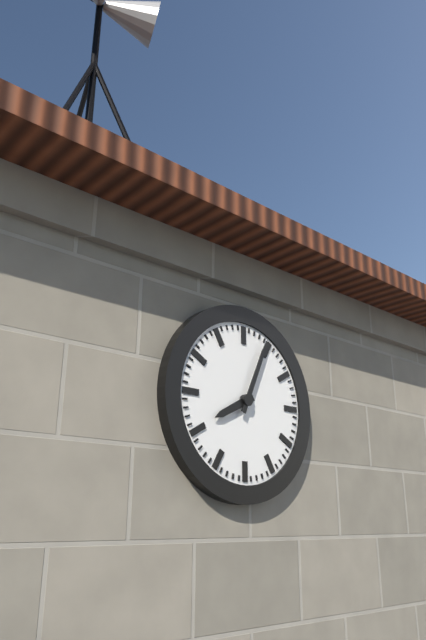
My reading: 8:04
